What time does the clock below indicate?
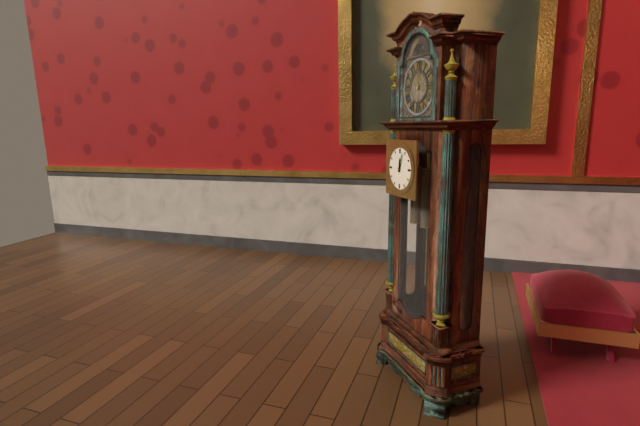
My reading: 12:03
